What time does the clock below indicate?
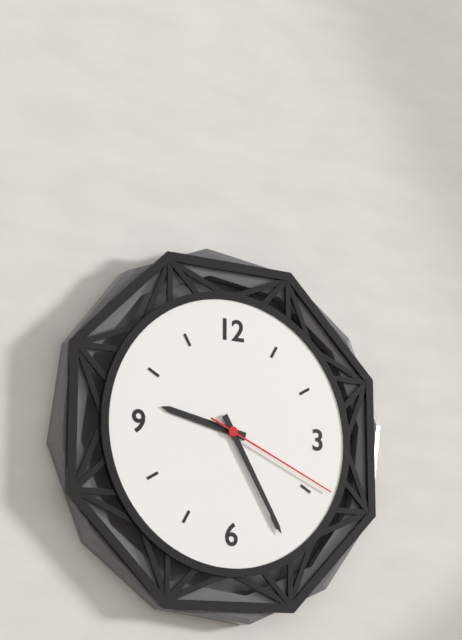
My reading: 9:25:19
